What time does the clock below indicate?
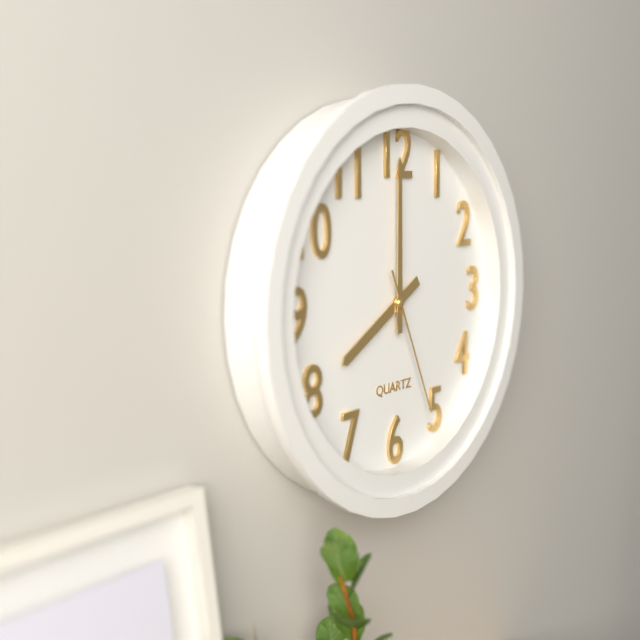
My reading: 8:00:26
